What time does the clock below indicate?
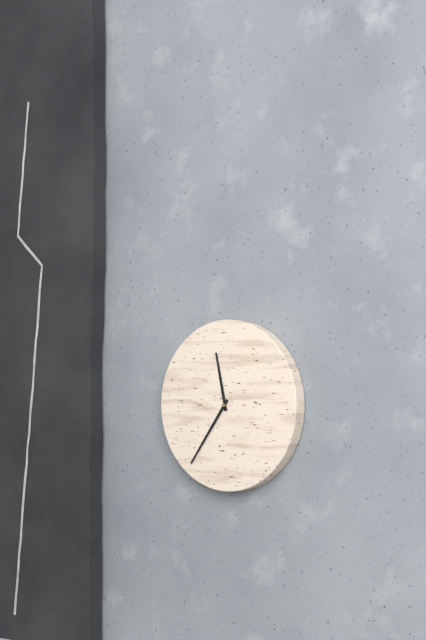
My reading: 11:36
